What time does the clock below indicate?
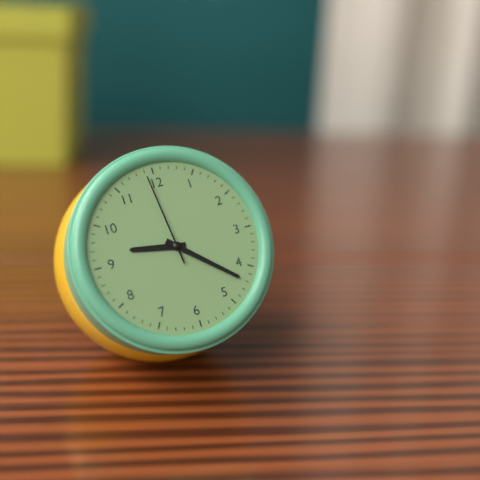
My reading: 9:22:59
